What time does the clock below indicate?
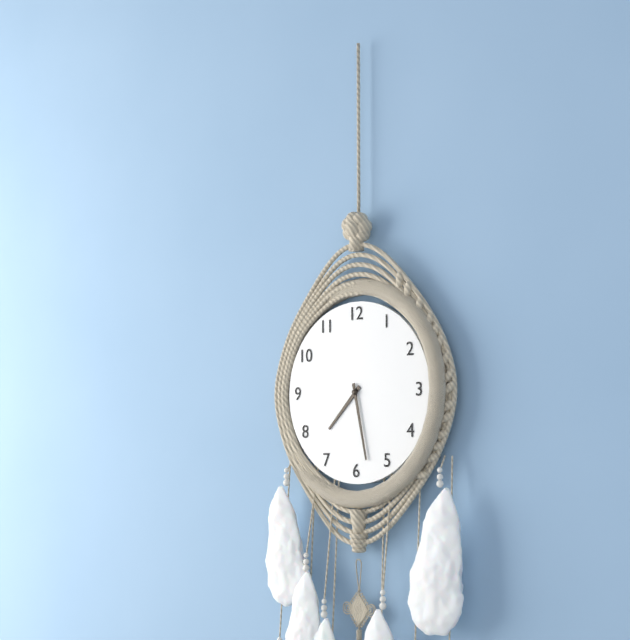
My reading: 7:28
